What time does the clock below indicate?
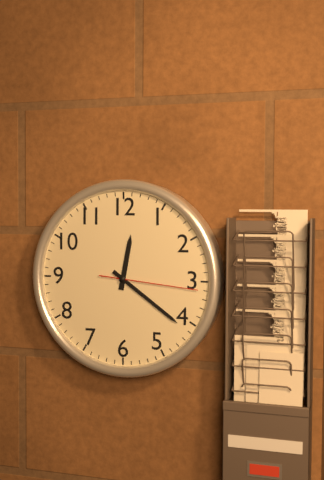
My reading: 12:21:16
